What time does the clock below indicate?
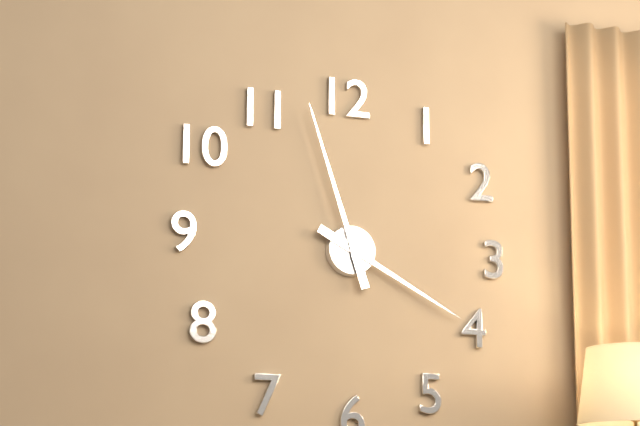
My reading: 3:57
